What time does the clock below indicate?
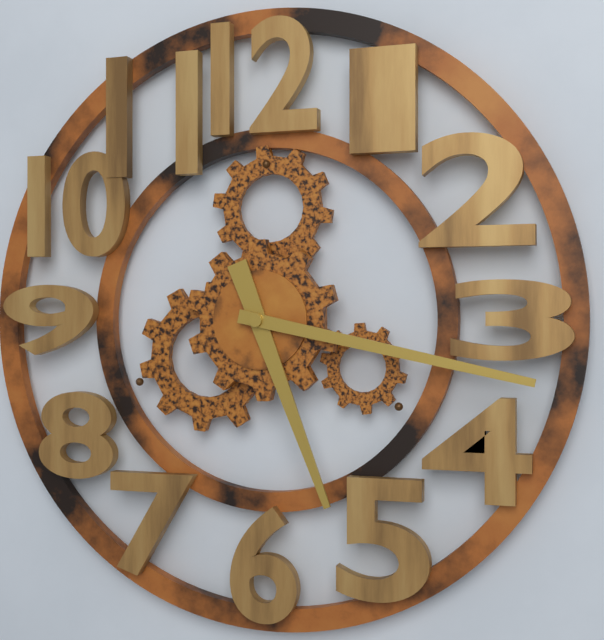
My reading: 5:17
